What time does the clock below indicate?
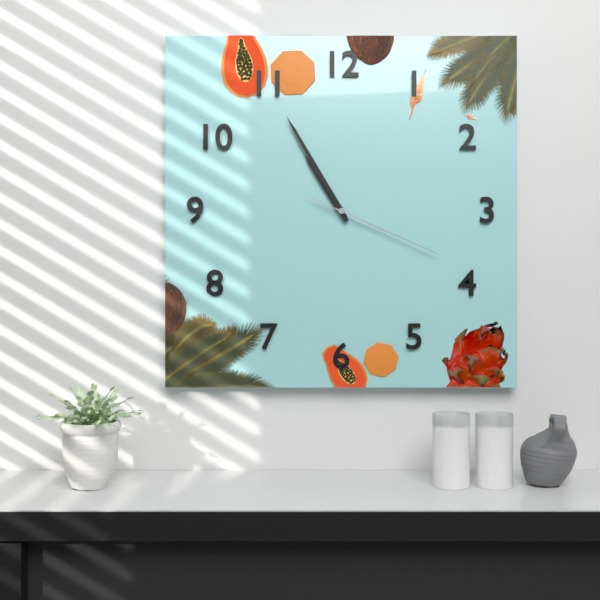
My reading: 10:55:19
